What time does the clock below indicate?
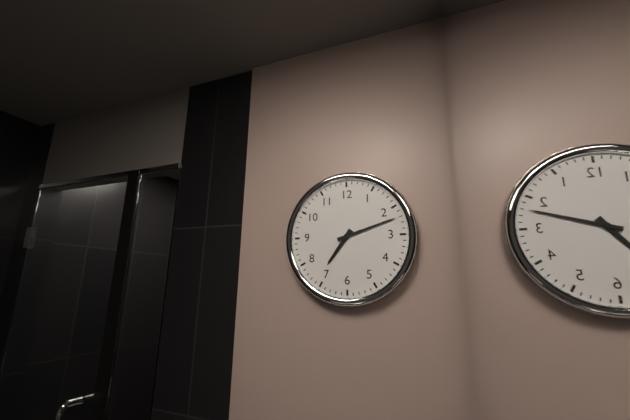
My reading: 7:12
